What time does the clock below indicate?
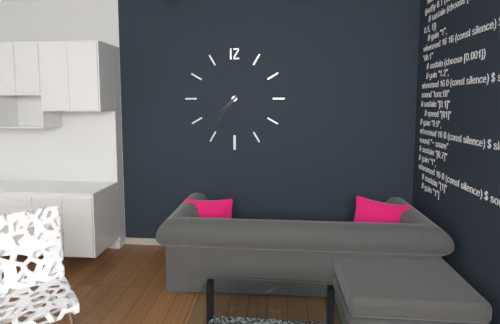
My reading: 7:36
